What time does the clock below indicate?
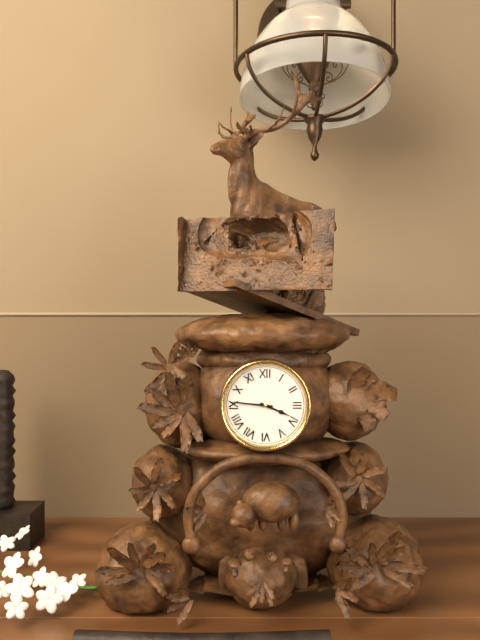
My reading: 3:46
